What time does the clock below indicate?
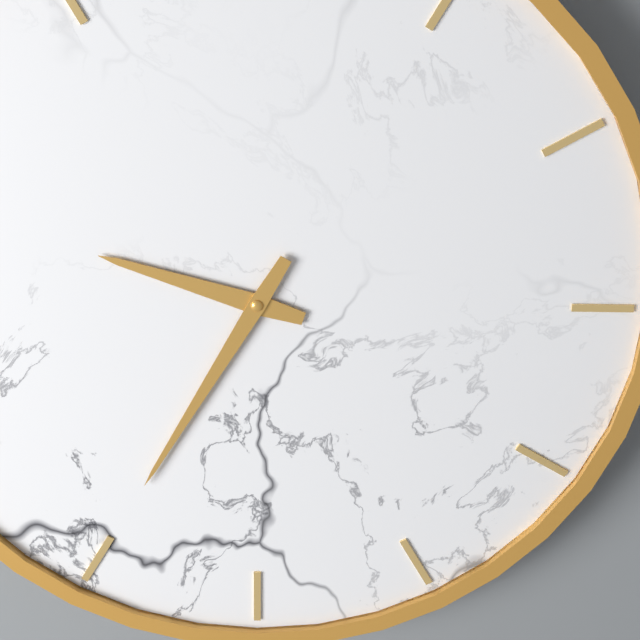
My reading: 9:35
